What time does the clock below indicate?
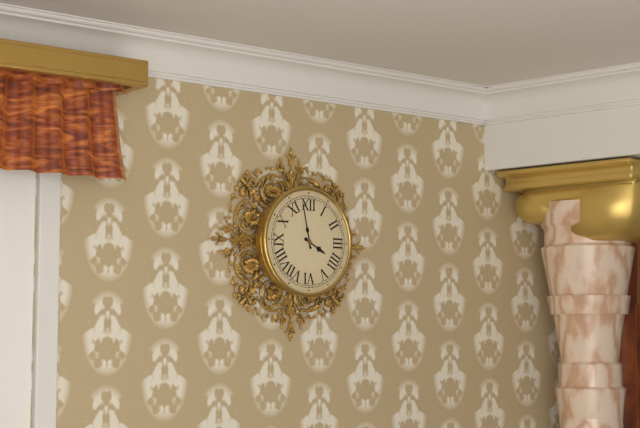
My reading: 3:58
